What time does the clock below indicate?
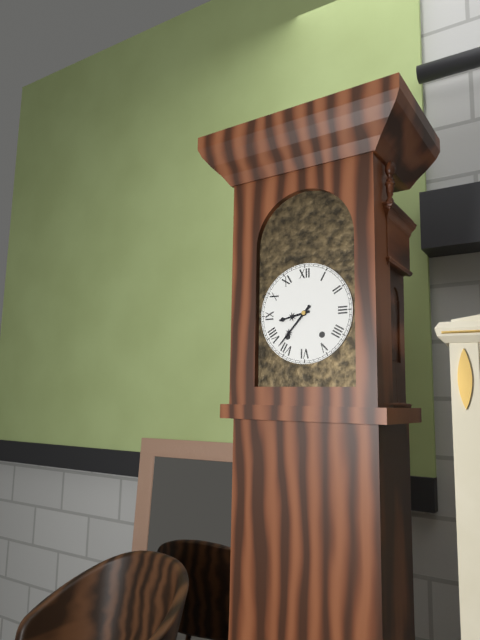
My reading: 8:37
